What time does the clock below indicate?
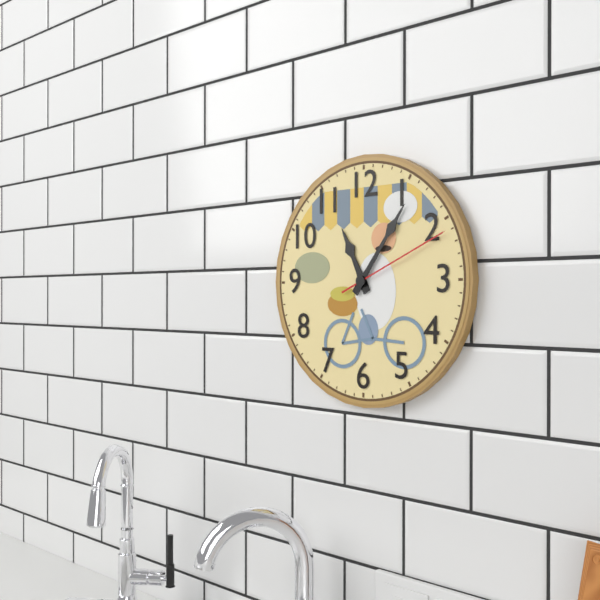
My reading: 11:06:11
